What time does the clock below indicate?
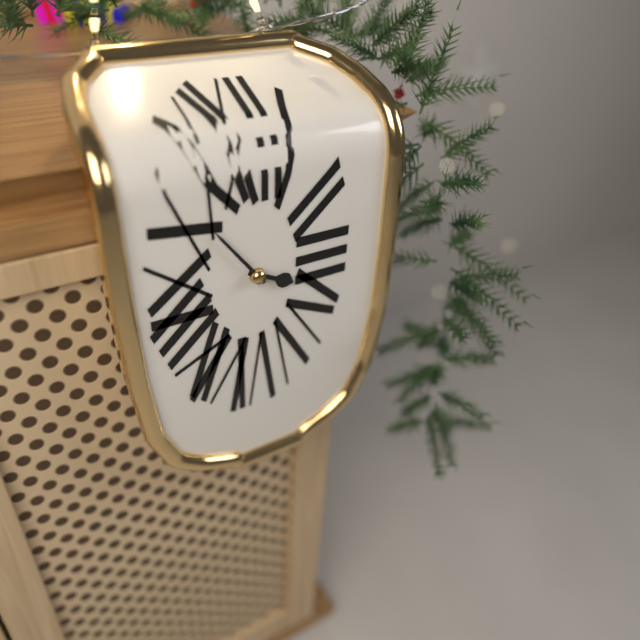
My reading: 3:54
